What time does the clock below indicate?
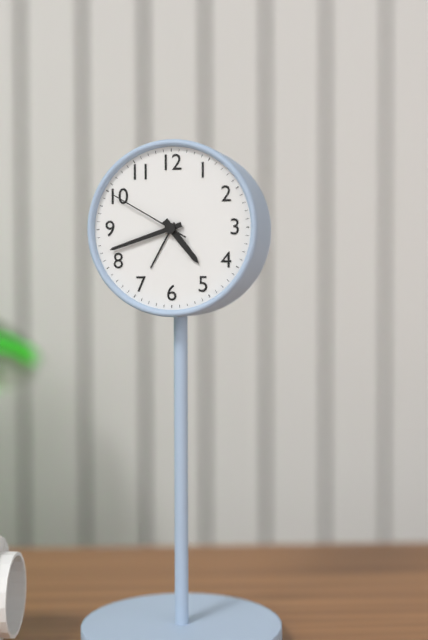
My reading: 4:42:50
